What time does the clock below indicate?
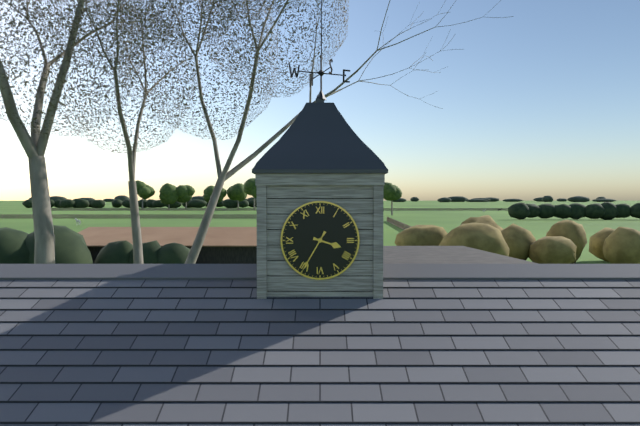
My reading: 3:35
